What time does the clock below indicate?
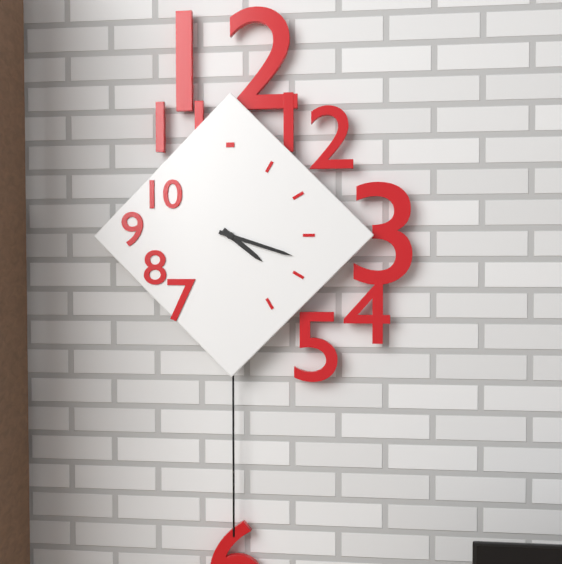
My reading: 4:18
